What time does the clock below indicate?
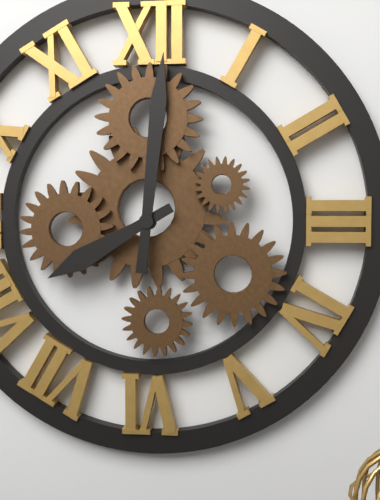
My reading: 8:01
